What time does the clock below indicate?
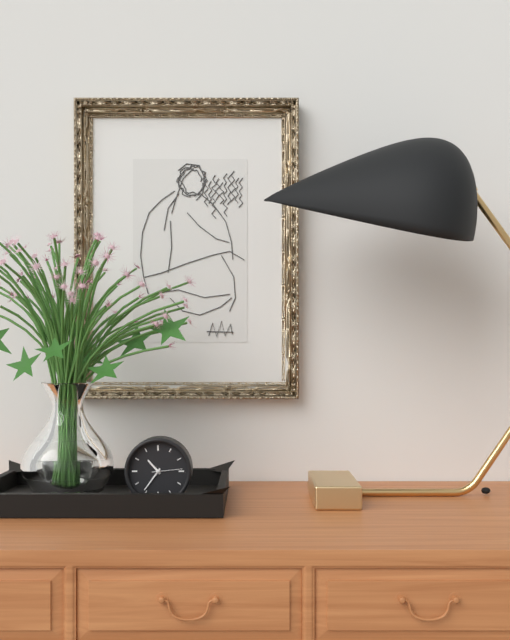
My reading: 10:36
